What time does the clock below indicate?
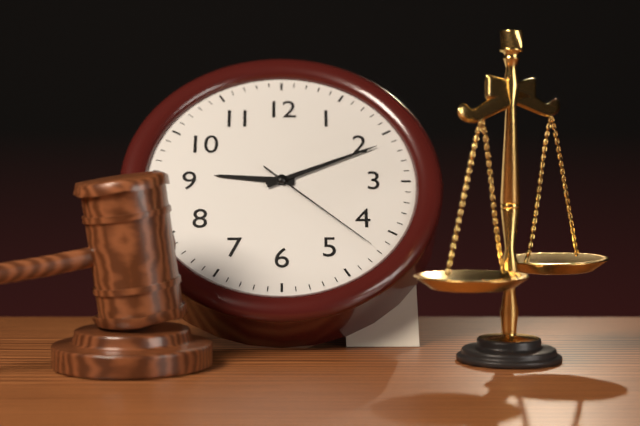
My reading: 9:11:22
